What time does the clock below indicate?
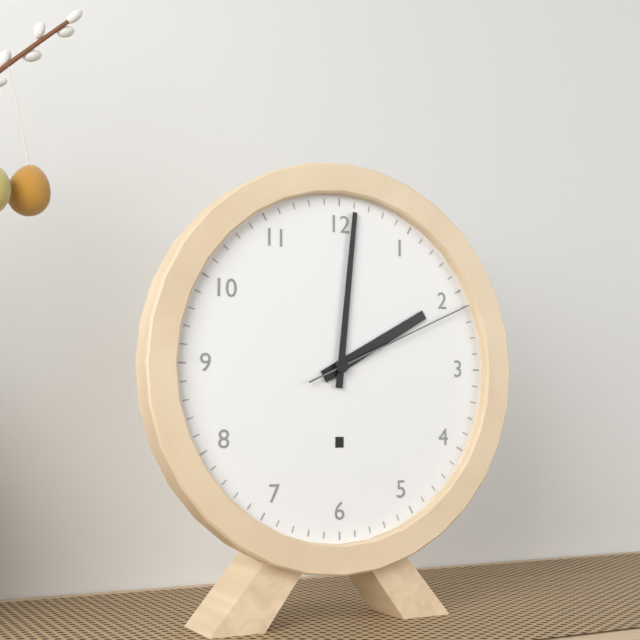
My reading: 2:01:11
